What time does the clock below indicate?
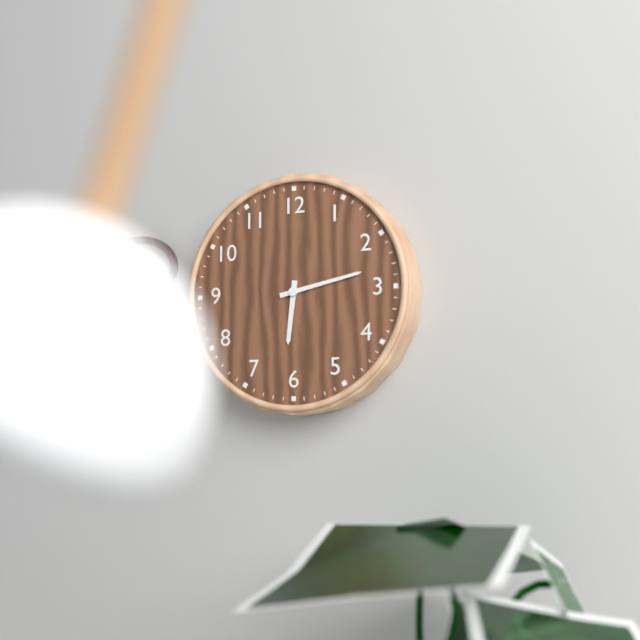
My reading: 6:13
